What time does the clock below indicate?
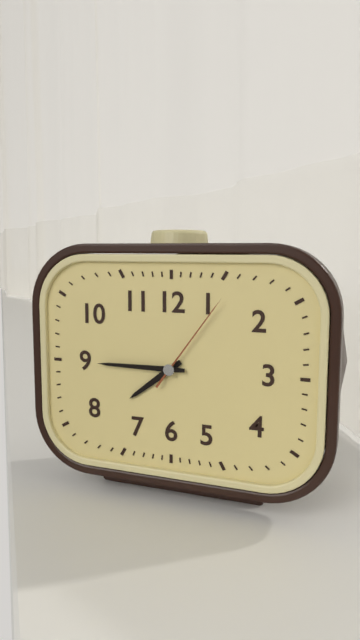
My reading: 7:45:06
